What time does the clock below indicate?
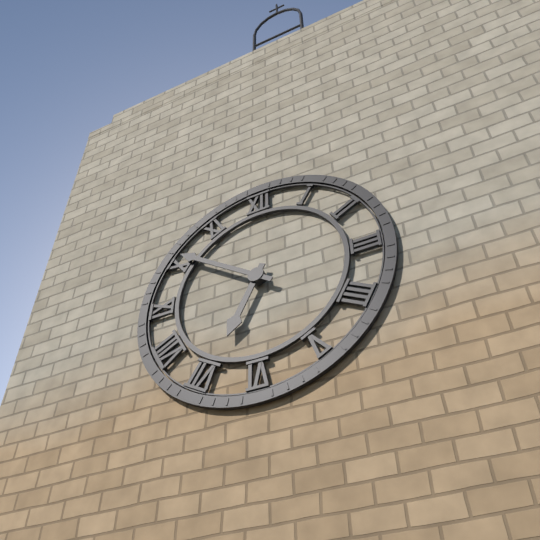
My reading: 6:51
